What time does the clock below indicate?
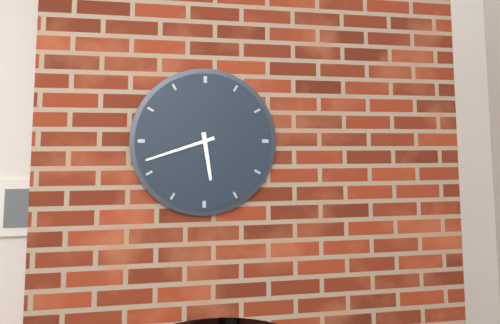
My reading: 5:42
